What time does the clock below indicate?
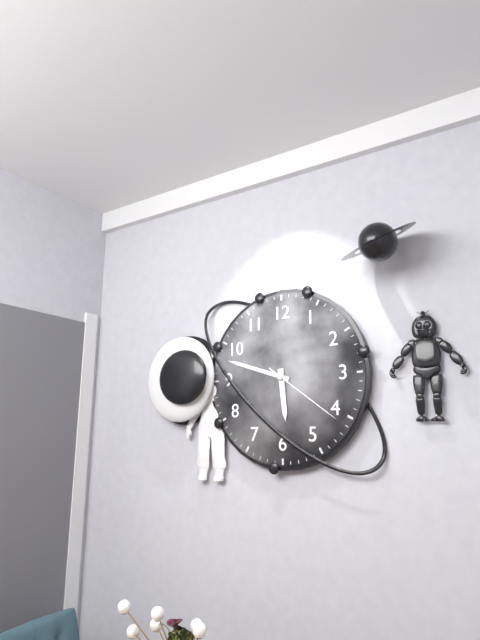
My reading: 5:48:21
